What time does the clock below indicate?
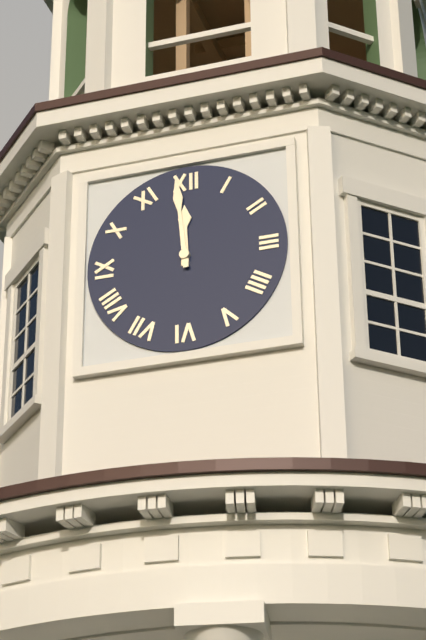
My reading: 11:59
